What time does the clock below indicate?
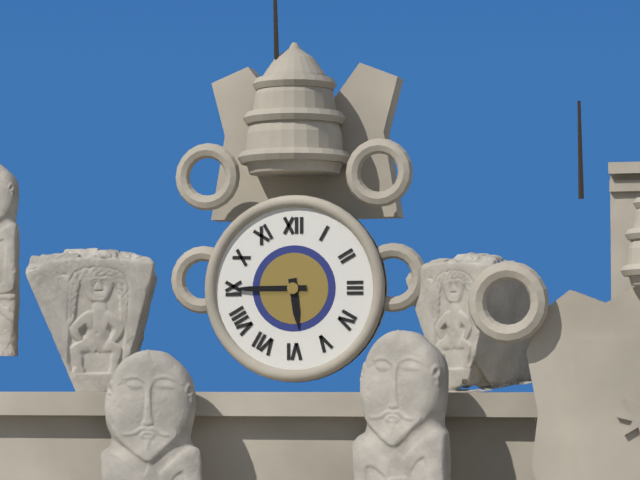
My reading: 5:45
